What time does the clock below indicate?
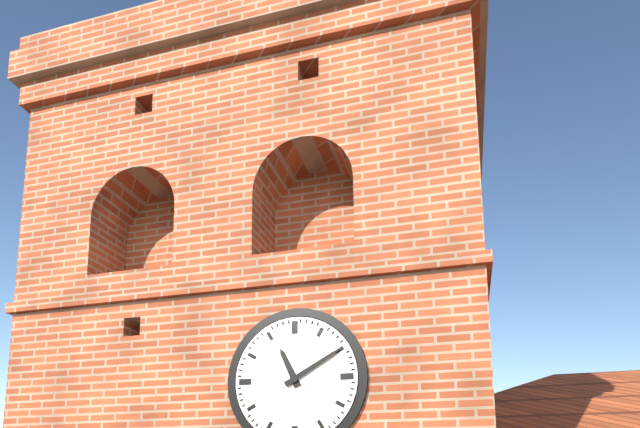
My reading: 11:10
